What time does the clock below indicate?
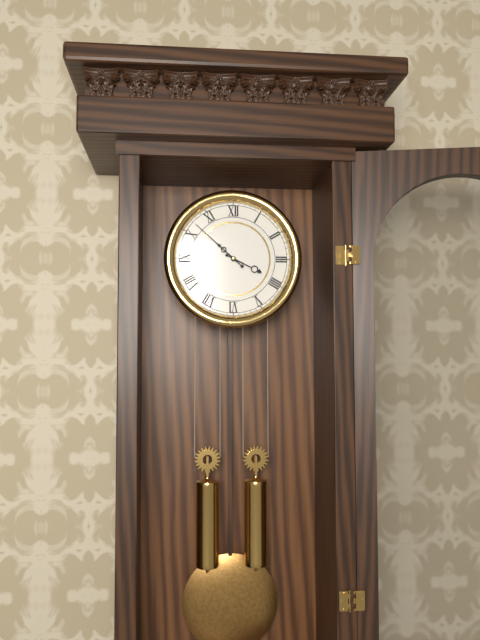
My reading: 3:52
